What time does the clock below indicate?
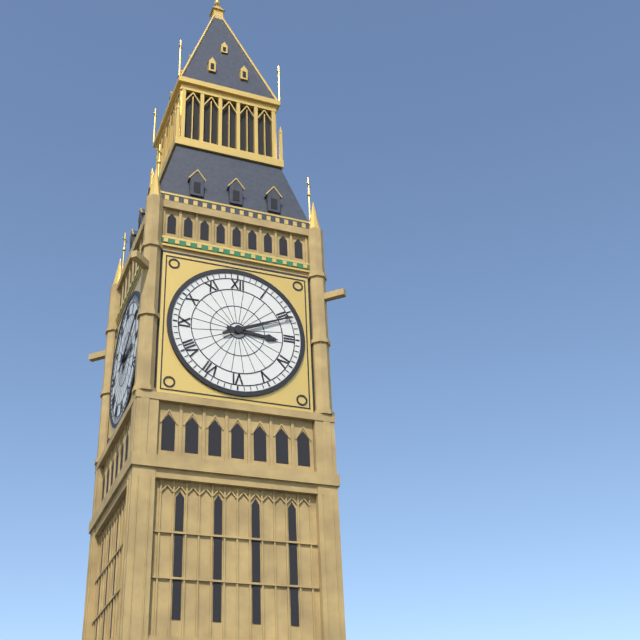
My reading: 3:11
